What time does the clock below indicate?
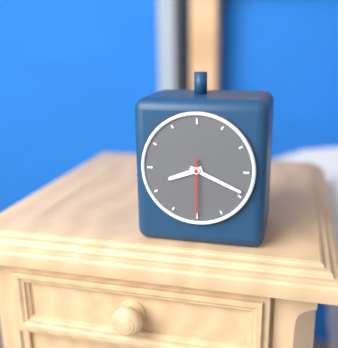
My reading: 8:19:30
